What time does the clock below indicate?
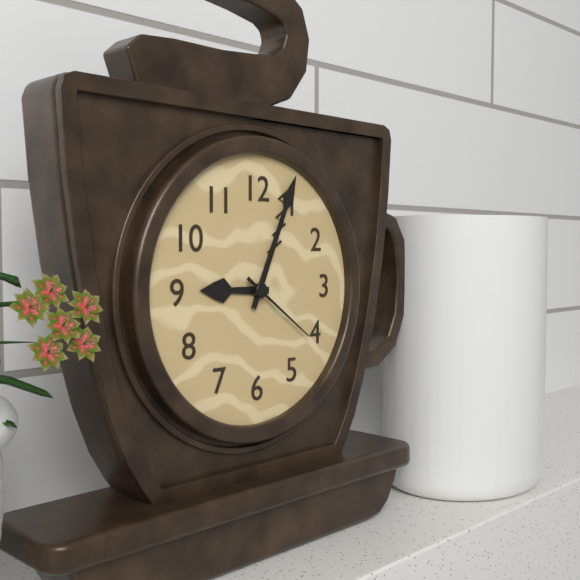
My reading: 9:04:21
